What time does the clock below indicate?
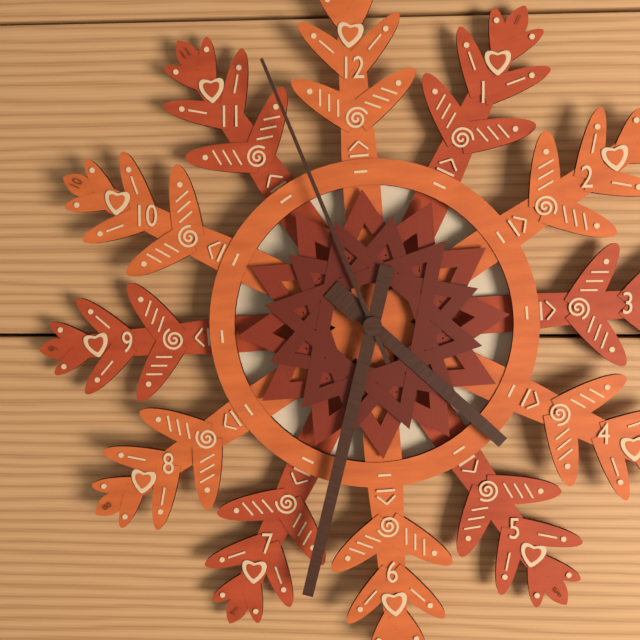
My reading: 4:33:57
